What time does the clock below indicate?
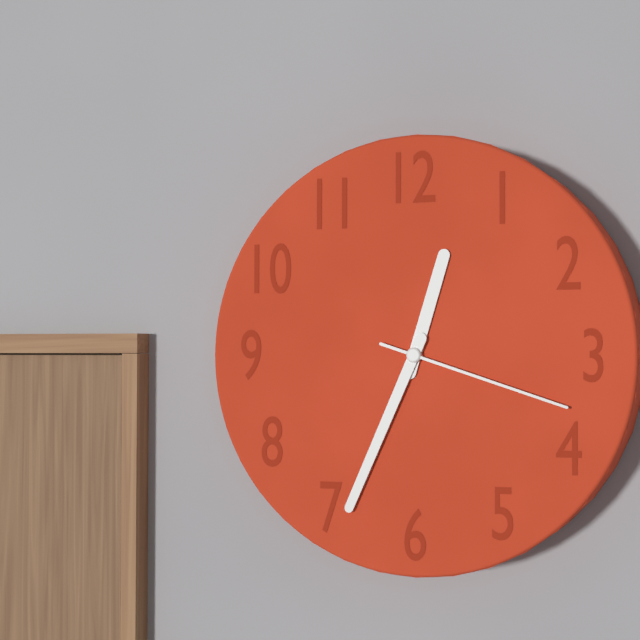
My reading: 12:34:18
